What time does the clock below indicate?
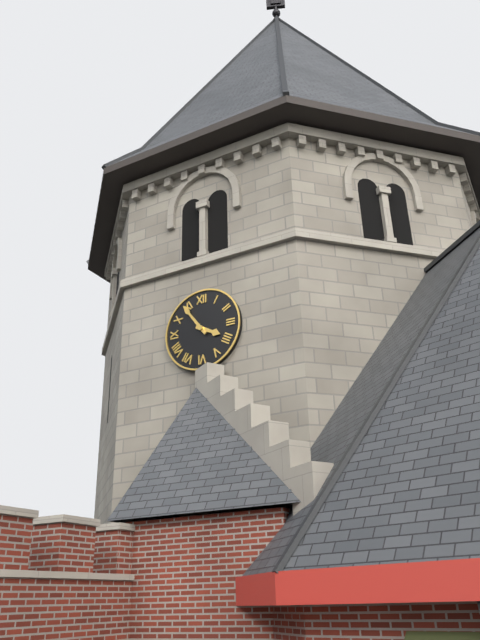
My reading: 3:54
